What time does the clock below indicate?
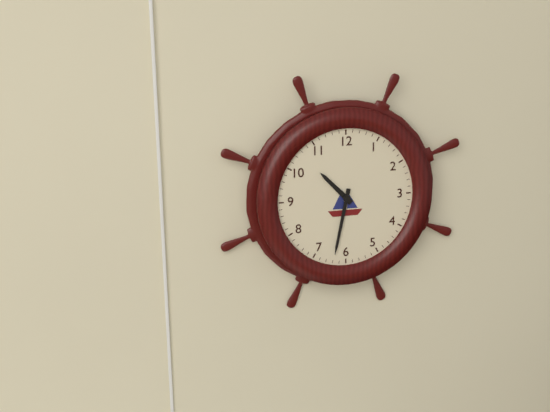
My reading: 10:32
